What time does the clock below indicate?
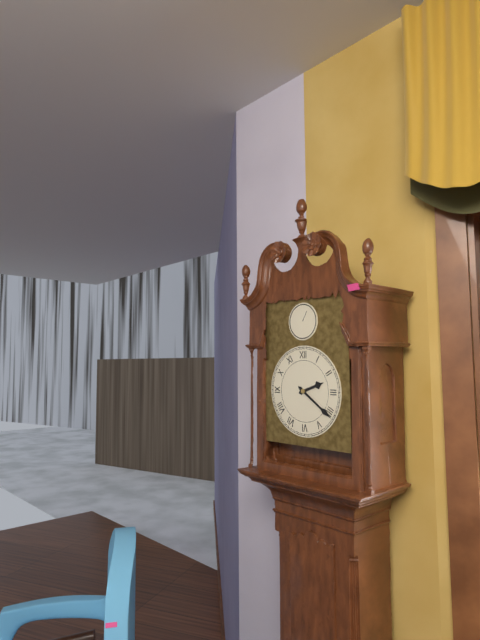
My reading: 2:21
